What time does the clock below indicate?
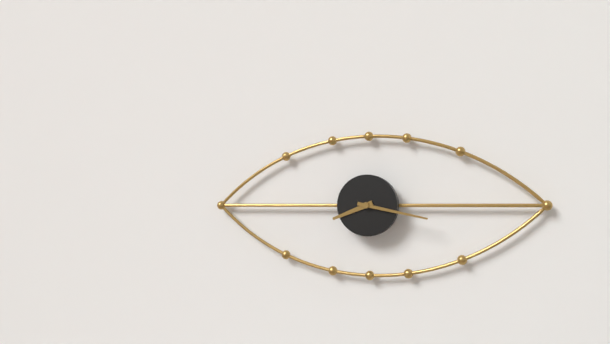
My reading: 8:17
